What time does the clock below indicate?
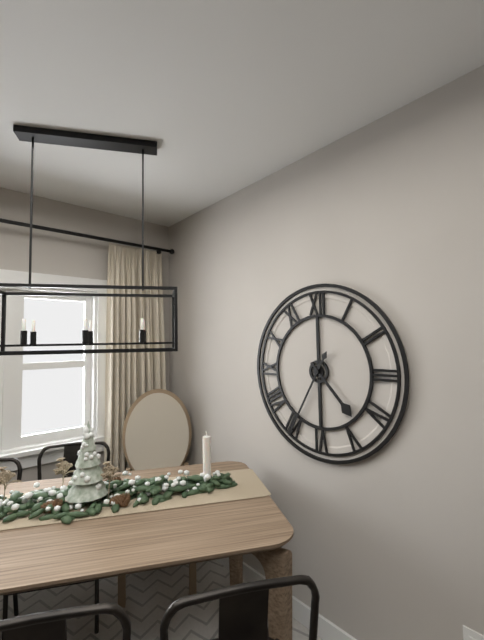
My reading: 4:35
